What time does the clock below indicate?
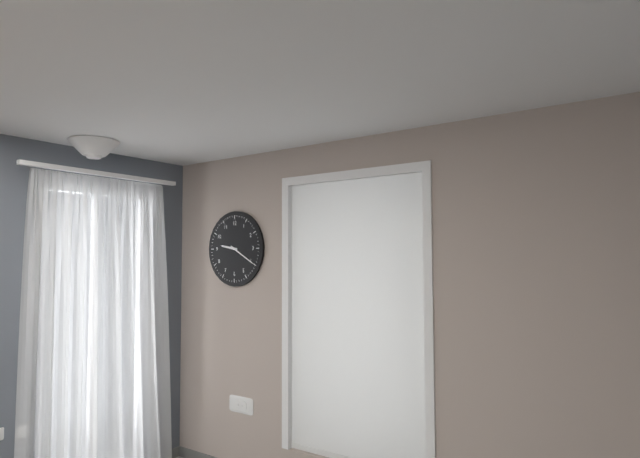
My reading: 9:20
